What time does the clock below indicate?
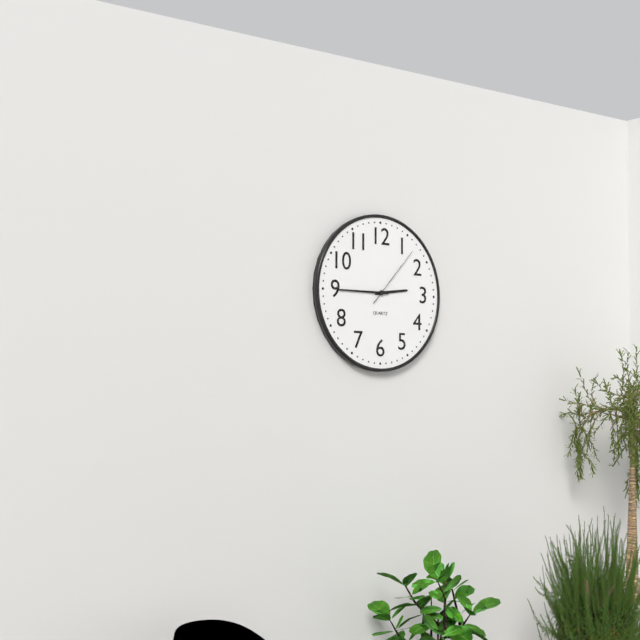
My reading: 2:45:07
